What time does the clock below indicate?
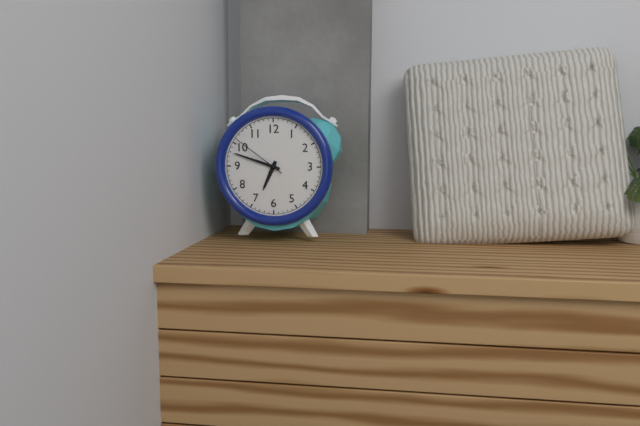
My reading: 6:48:51
